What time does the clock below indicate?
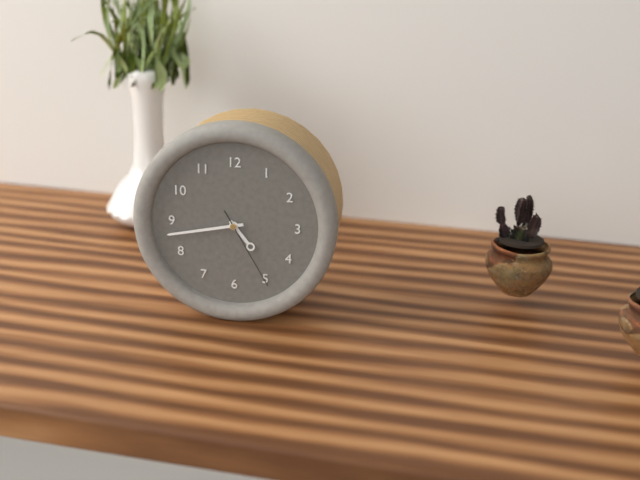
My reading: 4:43:25
